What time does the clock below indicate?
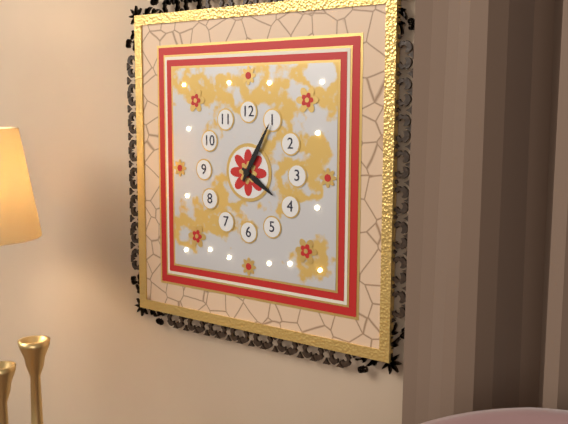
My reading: 4:05
